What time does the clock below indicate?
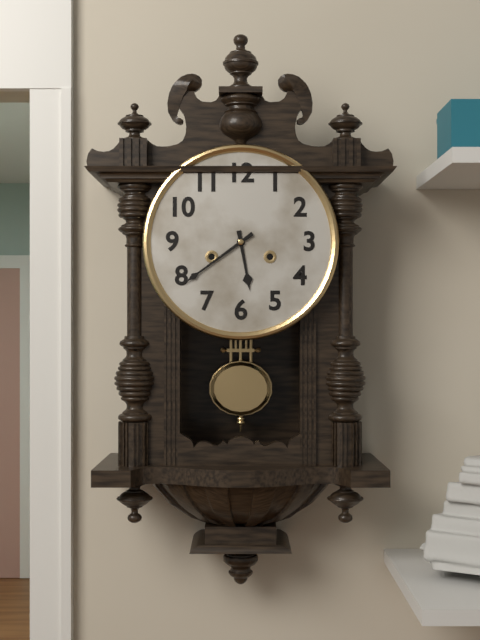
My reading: 5:39
